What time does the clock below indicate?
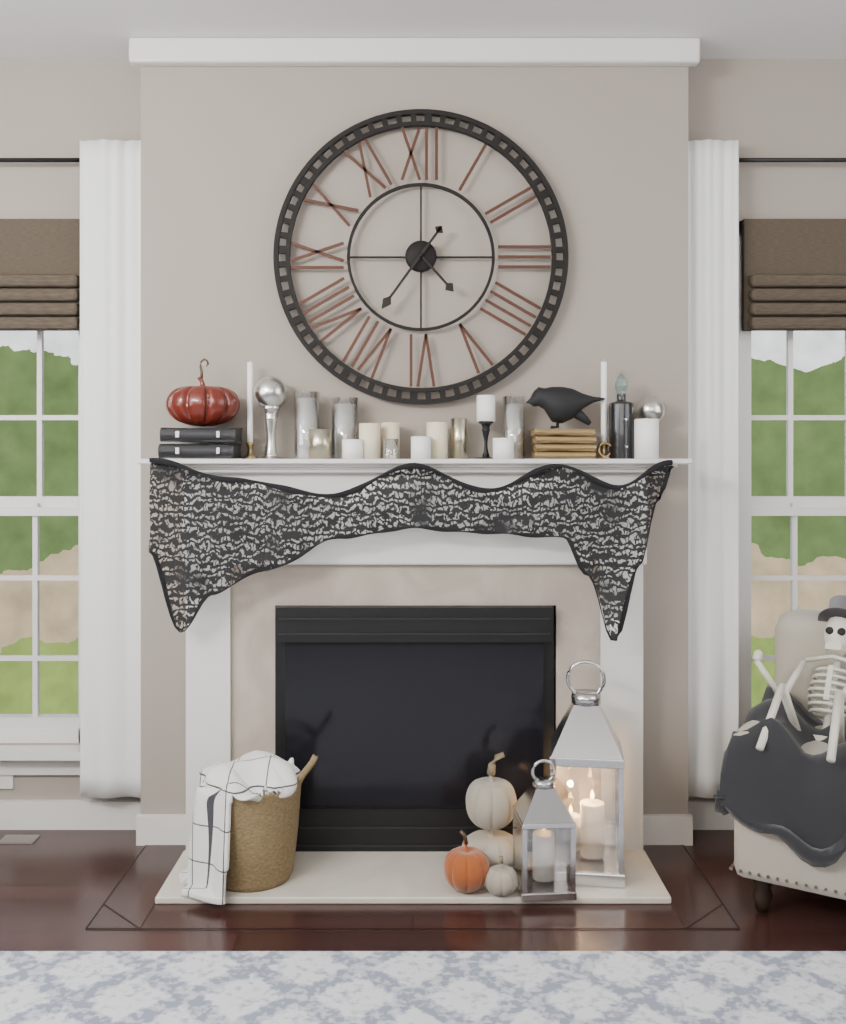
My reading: 4:36
